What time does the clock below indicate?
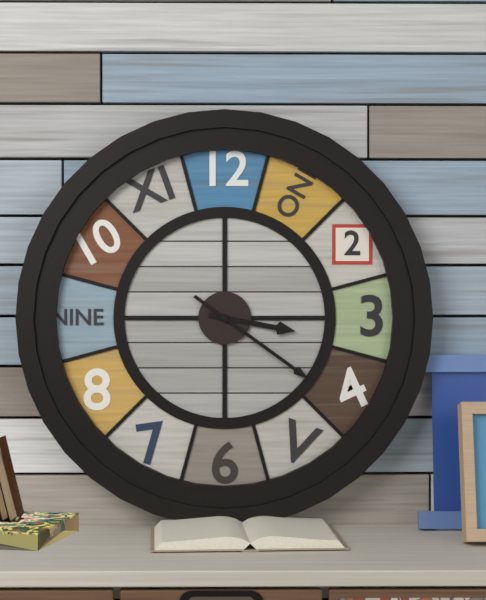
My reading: 3:21
